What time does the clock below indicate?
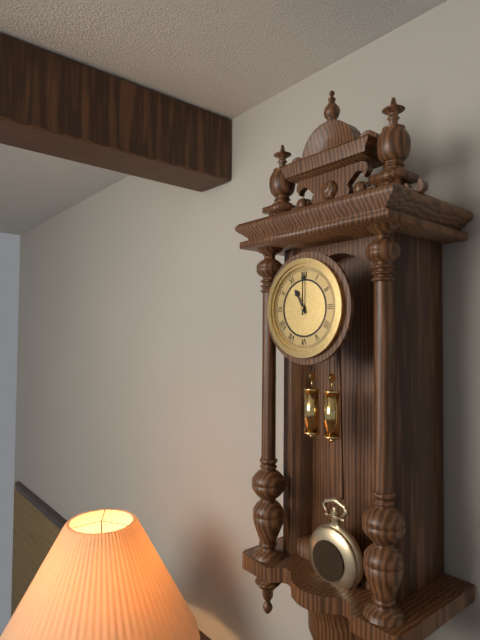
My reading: 11:00
